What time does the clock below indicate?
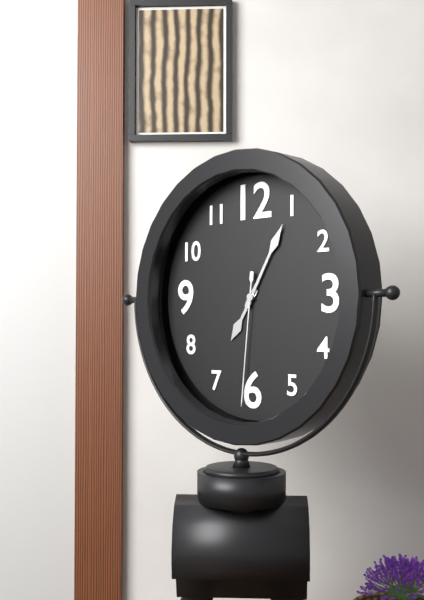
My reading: 7:05:31
